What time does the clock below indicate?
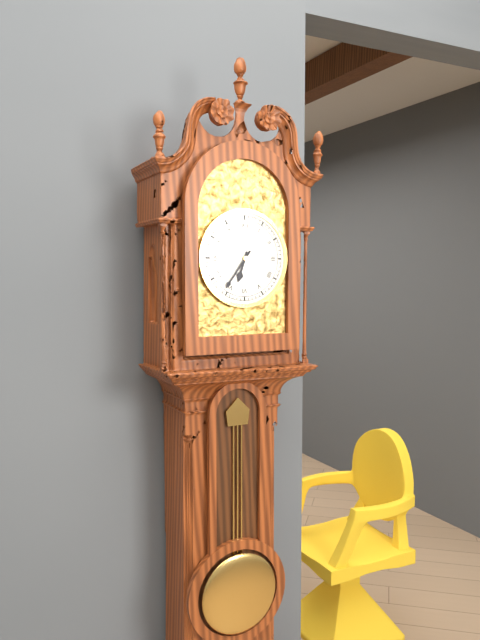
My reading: 6:36
